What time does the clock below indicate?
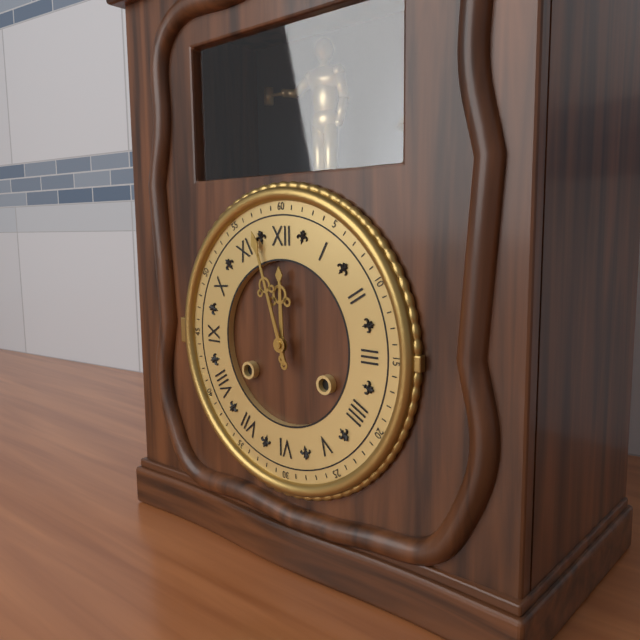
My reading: 11:57
